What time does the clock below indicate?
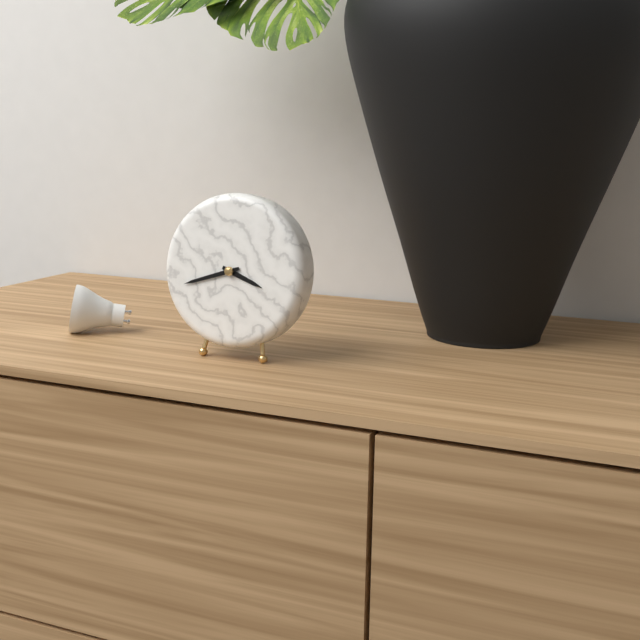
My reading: 3:42
